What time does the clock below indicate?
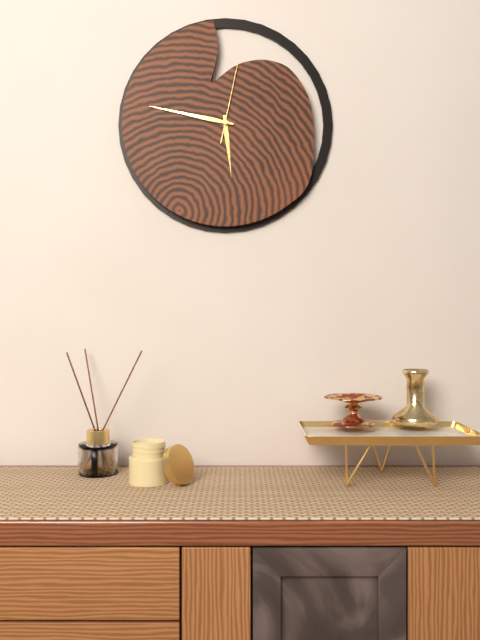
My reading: 5:47:02
